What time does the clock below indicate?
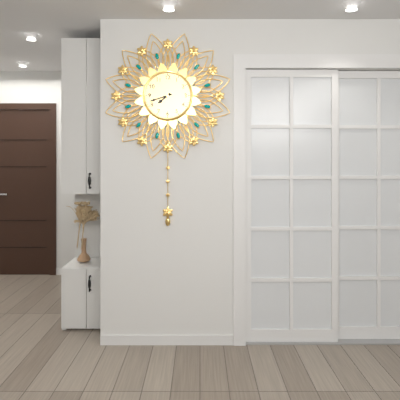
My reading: 7:42
